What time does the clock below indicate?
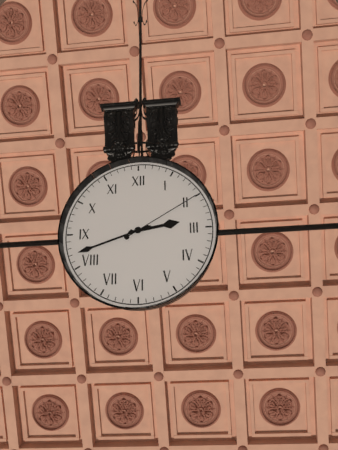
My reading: 2:42:10
